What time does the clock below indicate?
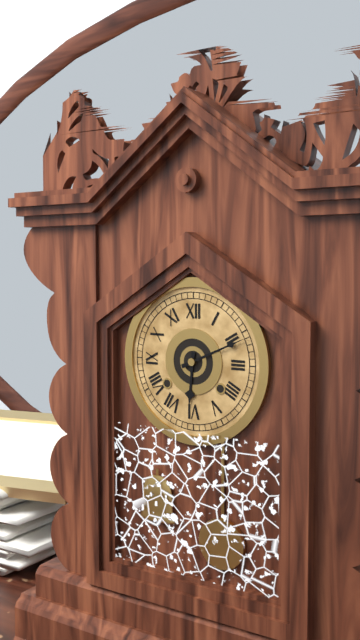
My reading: 6:11
